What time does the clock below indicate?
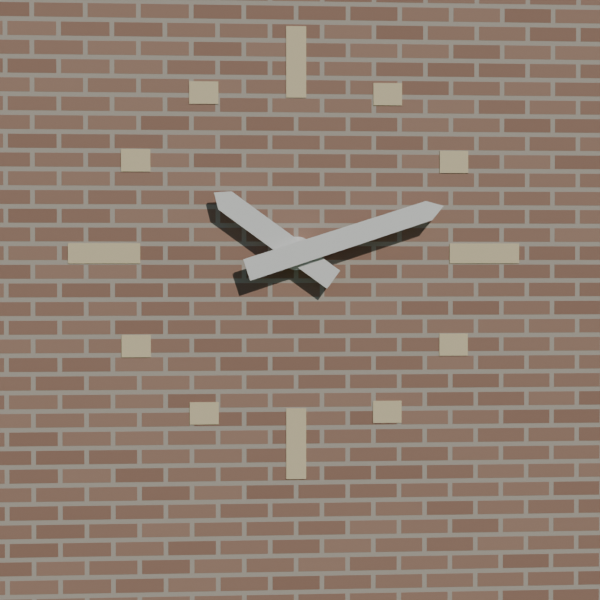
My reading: 10:12
